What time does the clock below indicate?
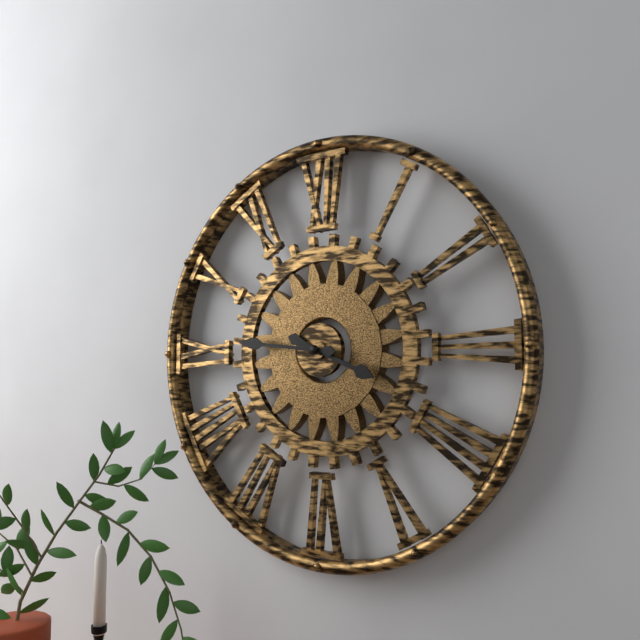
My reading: 3:46
